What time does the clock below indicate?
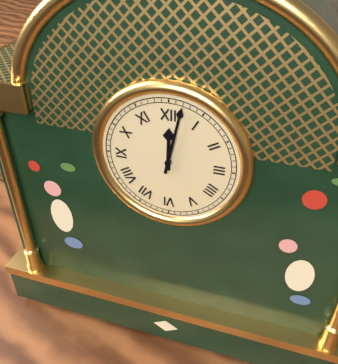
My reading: 12:02
